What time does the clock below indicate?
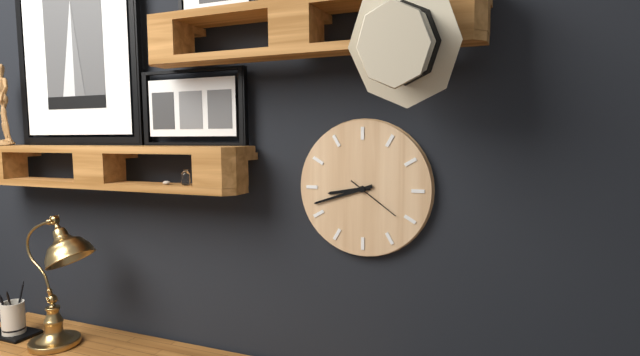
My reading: 8:42:21
